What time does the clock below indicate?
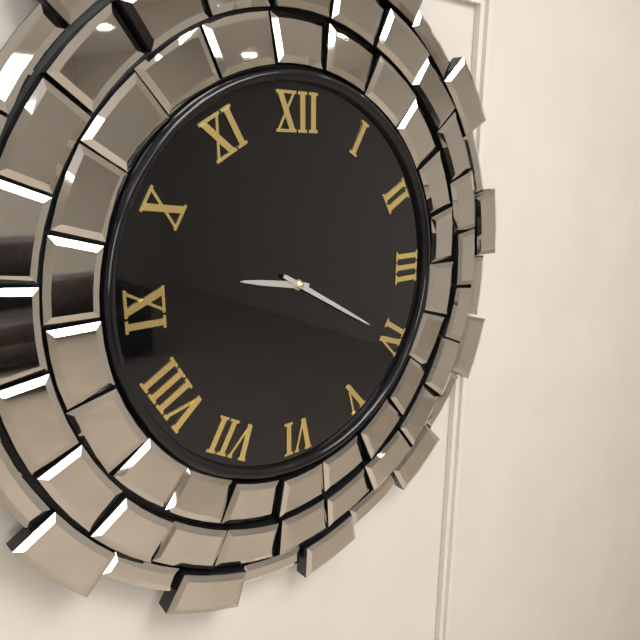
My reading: 9:20
